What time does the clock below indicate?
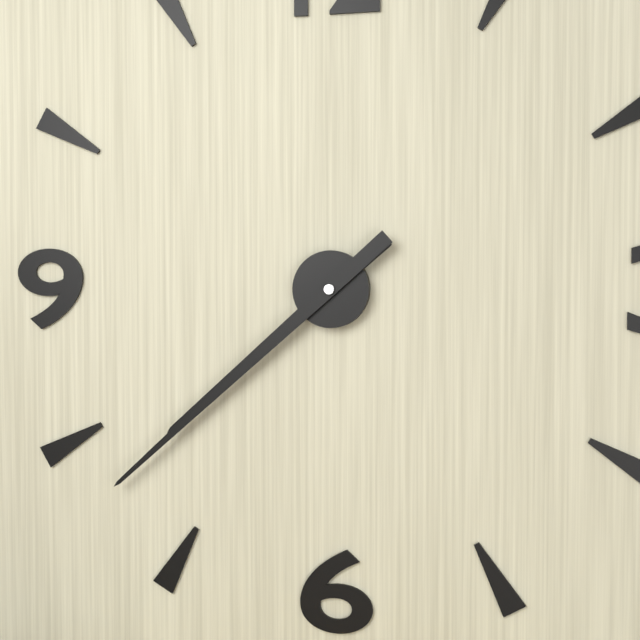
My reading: 7:38
